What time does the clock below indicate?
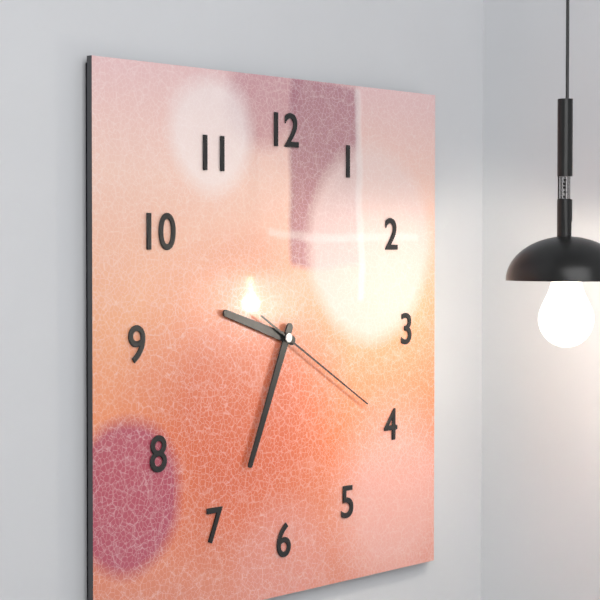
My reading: 9:34:20
